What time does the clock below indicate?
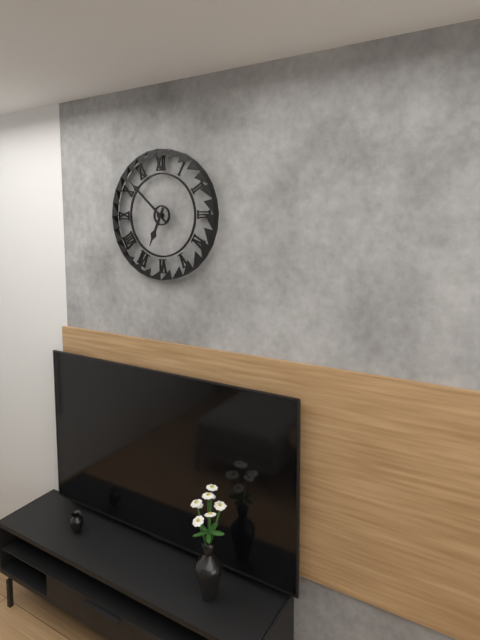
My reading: 6:52
